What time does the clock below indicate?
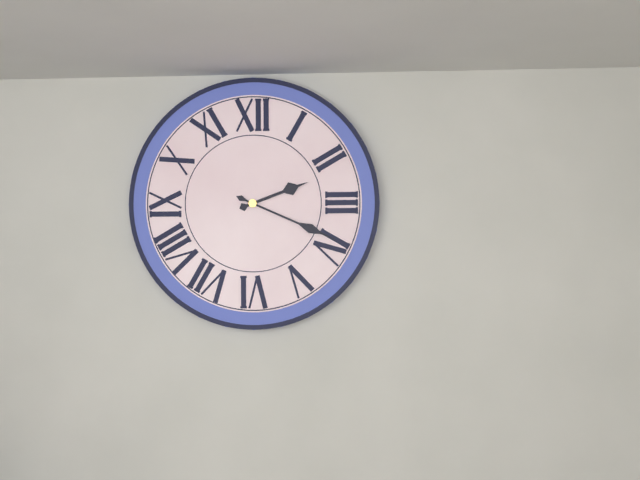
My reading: 2:19
